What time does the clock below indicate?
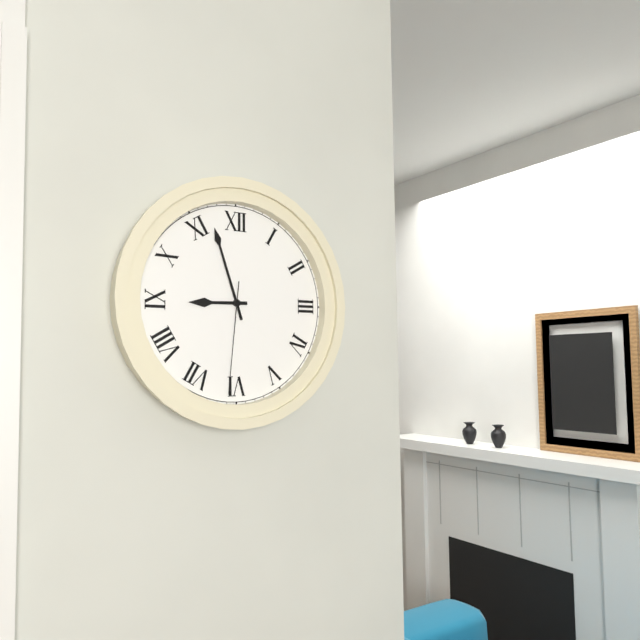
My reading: 8:57:31
